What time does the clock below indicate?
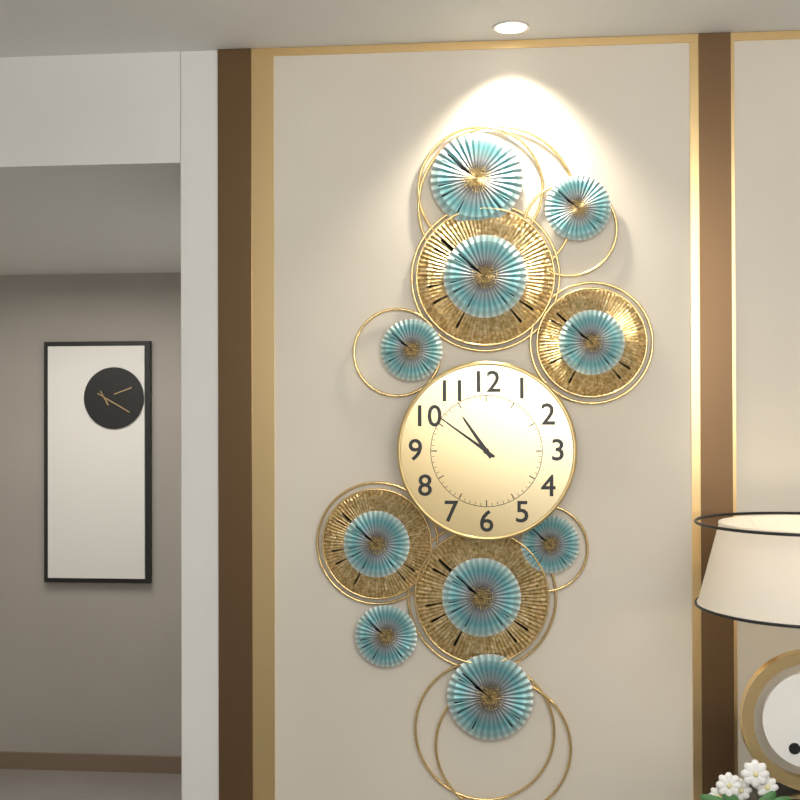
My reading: 10:51
